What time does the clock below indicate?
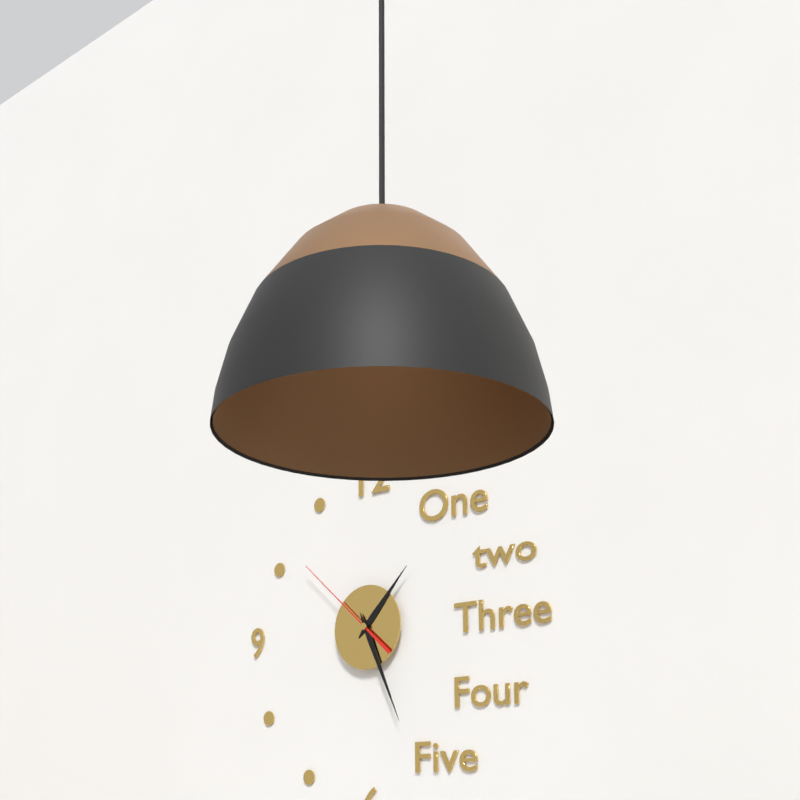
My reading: 1:26:52
